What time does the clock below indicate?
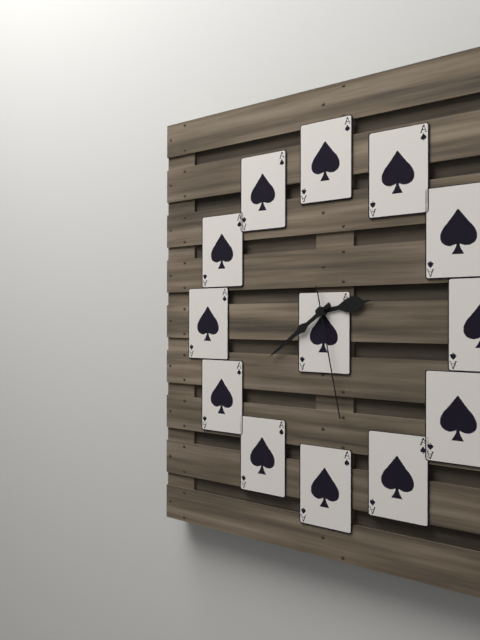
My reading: 2:39:28
